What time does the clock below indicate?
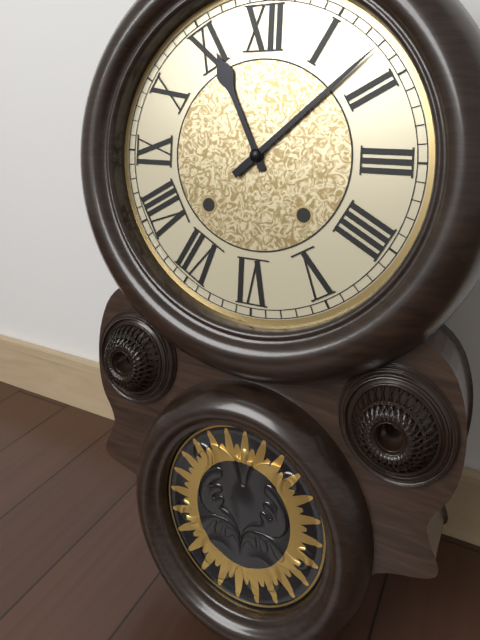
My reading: 11:08
